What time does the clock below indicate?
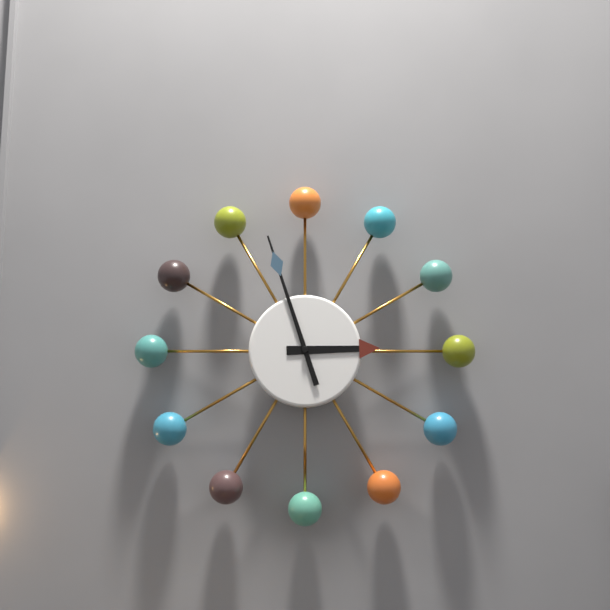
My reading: 2:57
